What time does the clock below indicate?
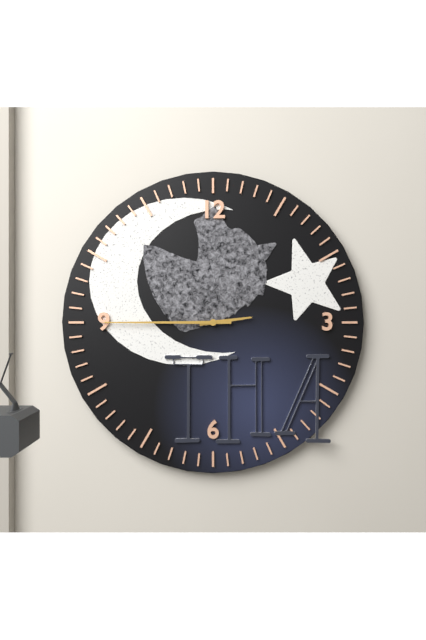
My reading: 2:45
